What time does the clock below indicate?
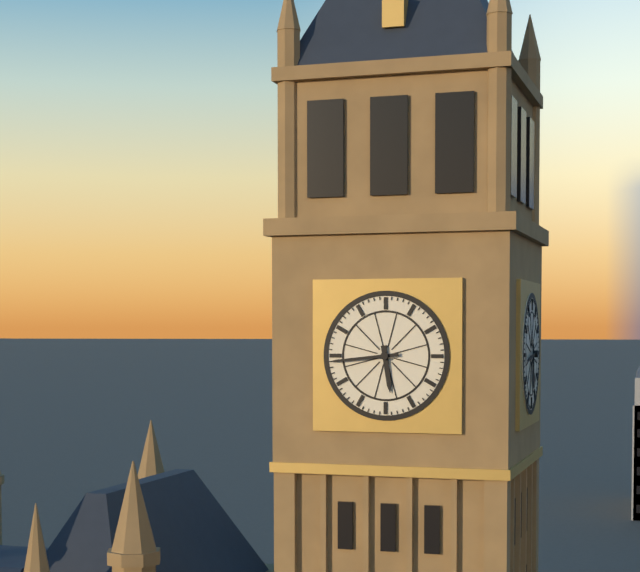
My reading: 5:44
